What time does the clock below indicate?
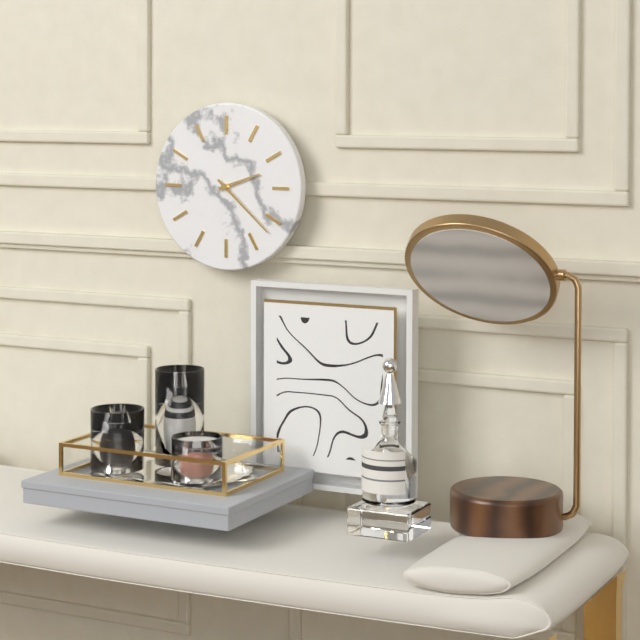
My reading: 2:22
